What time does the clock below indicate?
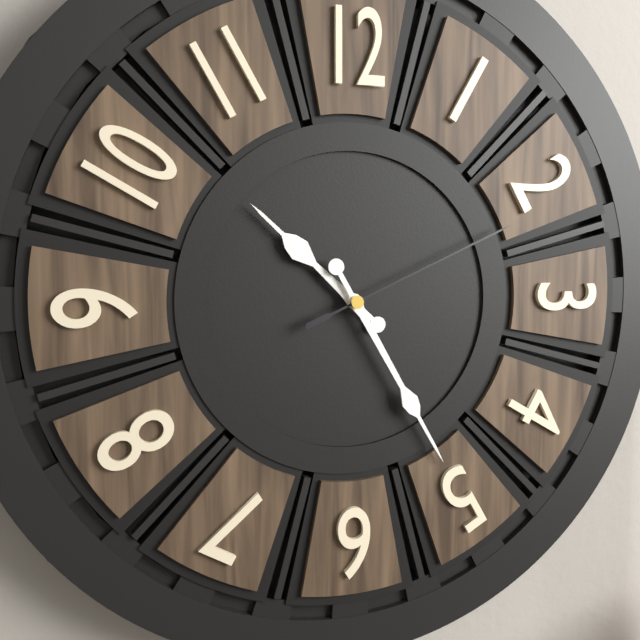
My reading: 10:25:11
